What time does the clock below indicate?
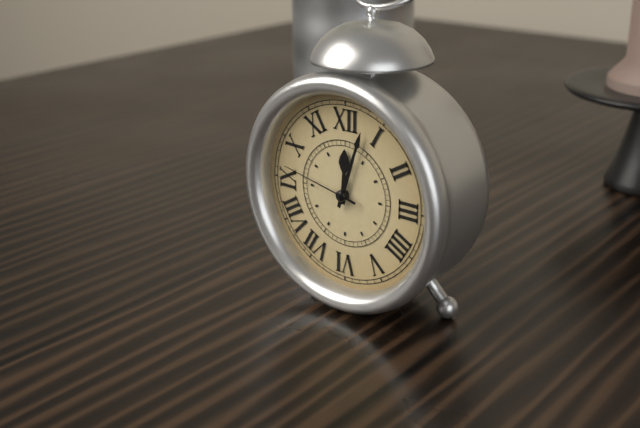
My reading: 12:03:47
